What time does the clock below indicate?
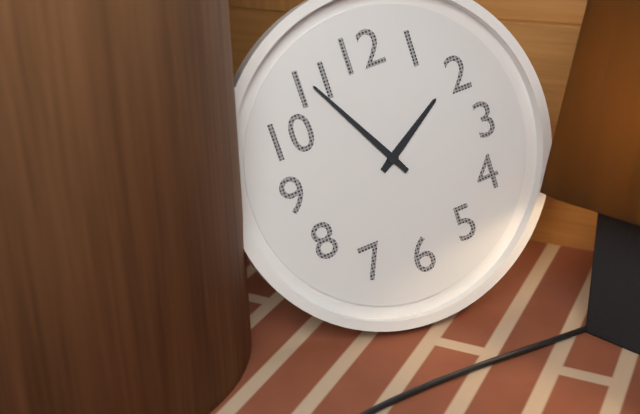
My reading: 1:55
